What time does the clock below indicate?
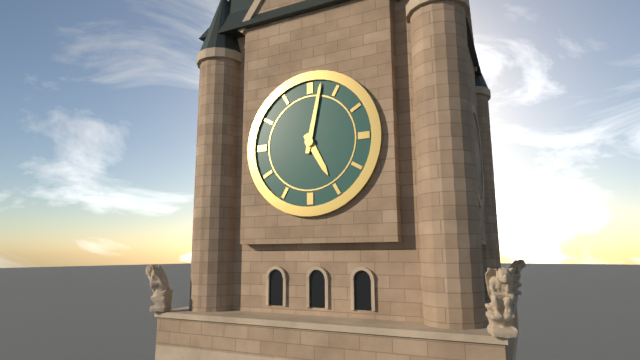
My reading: 5:02
